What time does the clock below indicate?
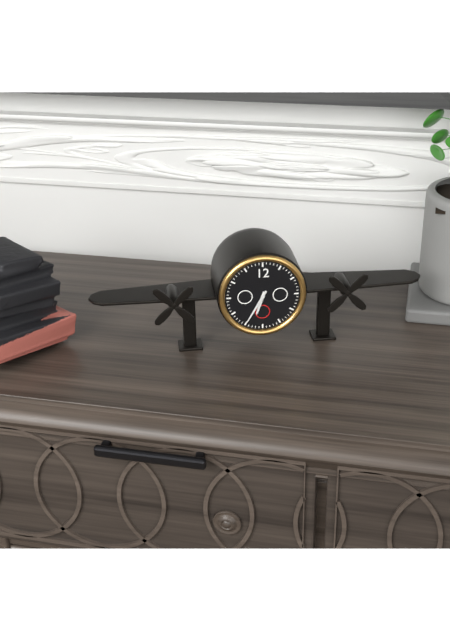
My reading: 6:35
